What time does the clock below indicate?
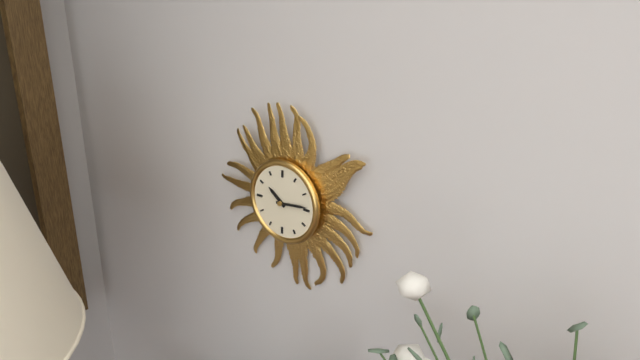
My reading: 10:14
